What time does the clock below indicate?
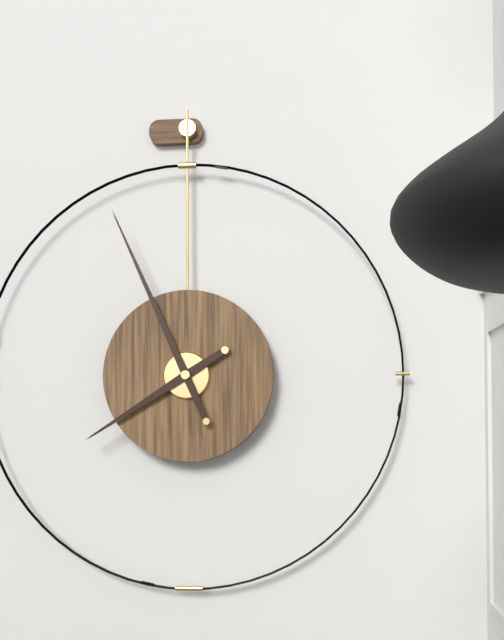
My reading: 7:56
